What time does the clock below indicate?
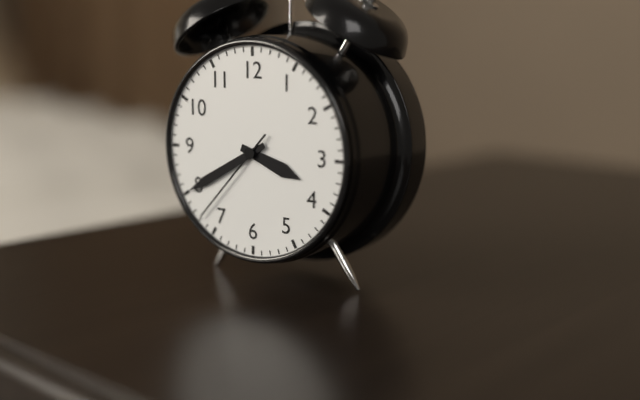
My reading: 3:40:37
